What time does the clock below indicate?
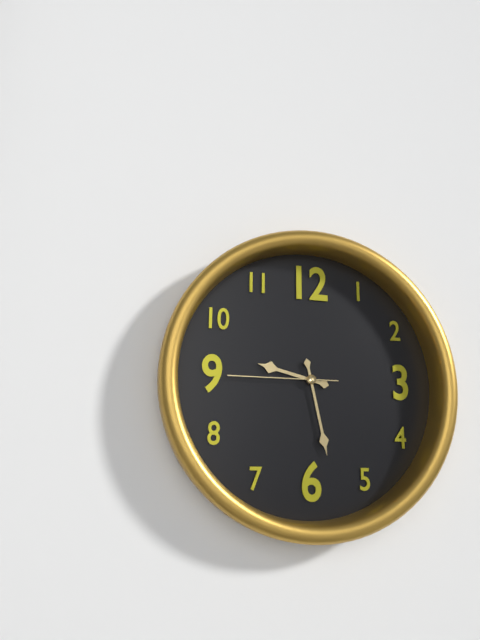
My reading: 9:28:45
